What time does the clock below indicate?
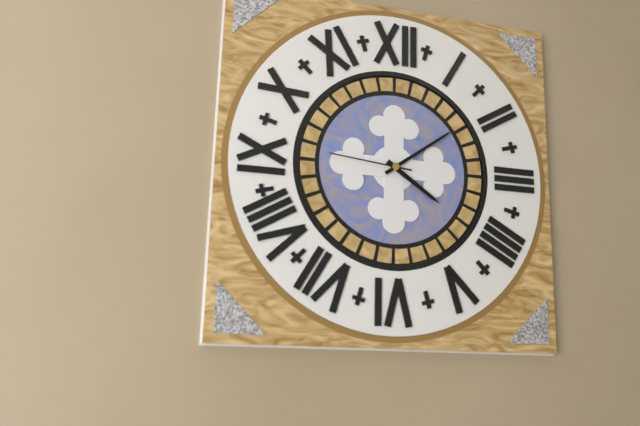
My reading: 4:09:46
